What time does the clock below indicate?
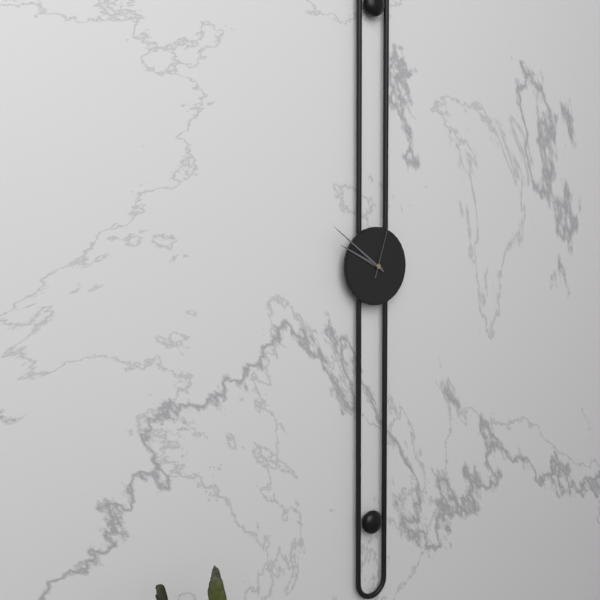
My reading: 9:51:03
